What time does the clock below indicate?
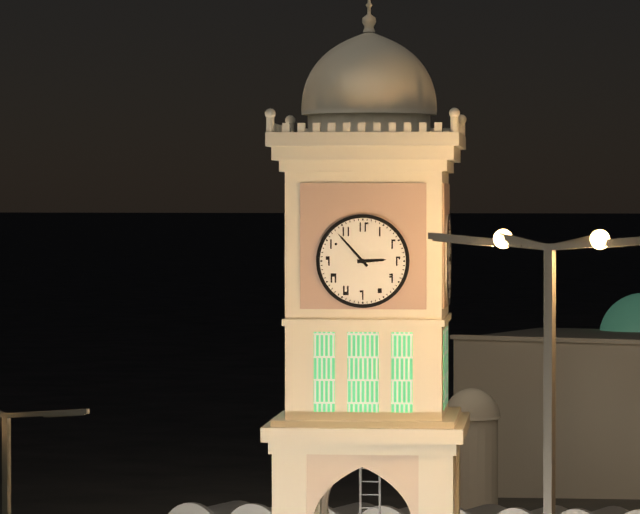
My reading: 2:53
